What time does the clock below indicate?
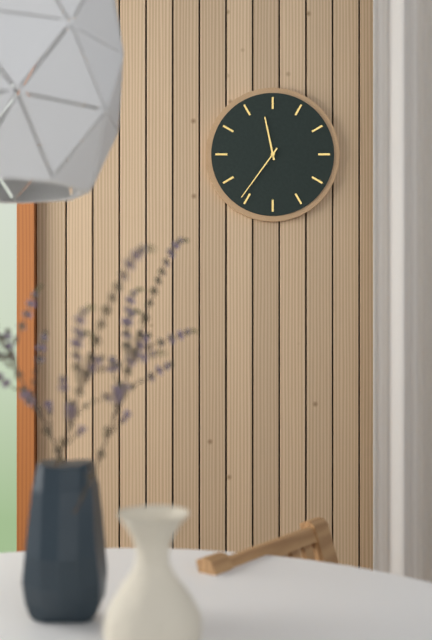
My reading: 11:36
